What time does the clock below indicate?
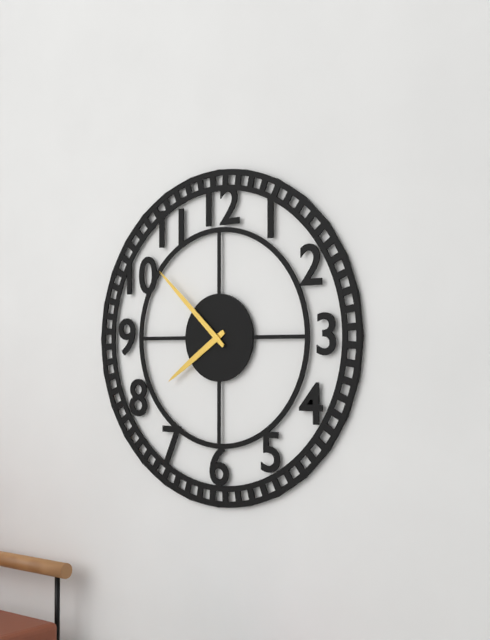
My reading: 7:52
